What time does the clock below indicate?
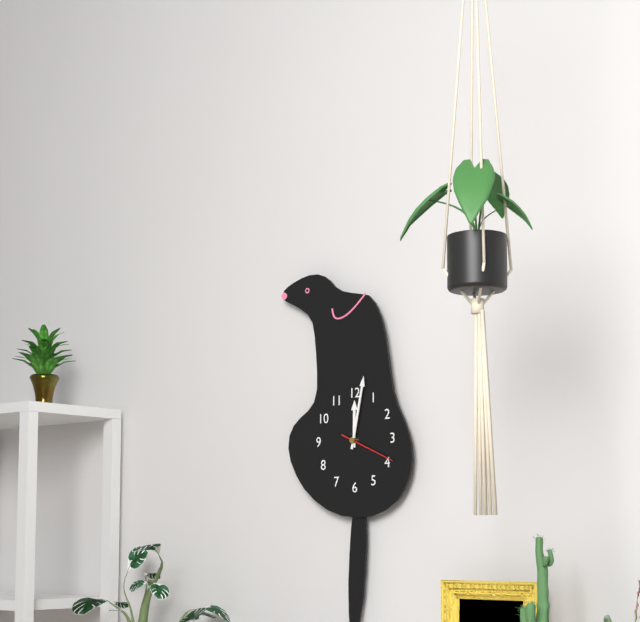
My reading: 12:02:19
